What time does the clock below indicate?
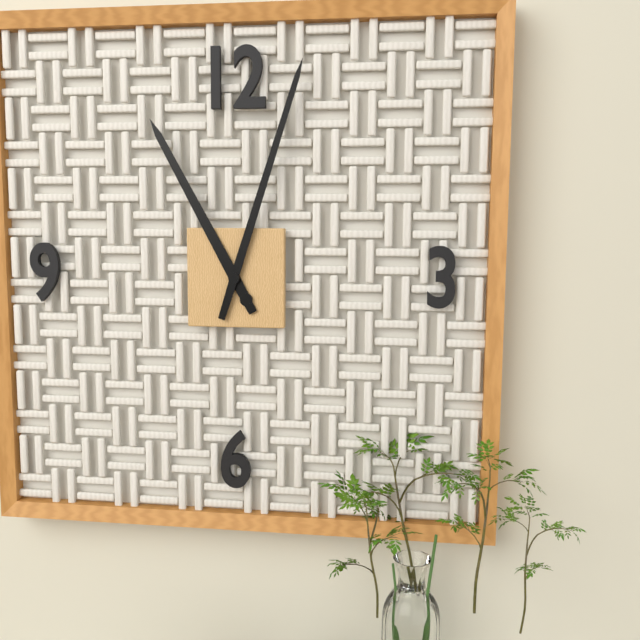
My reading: 11:03
